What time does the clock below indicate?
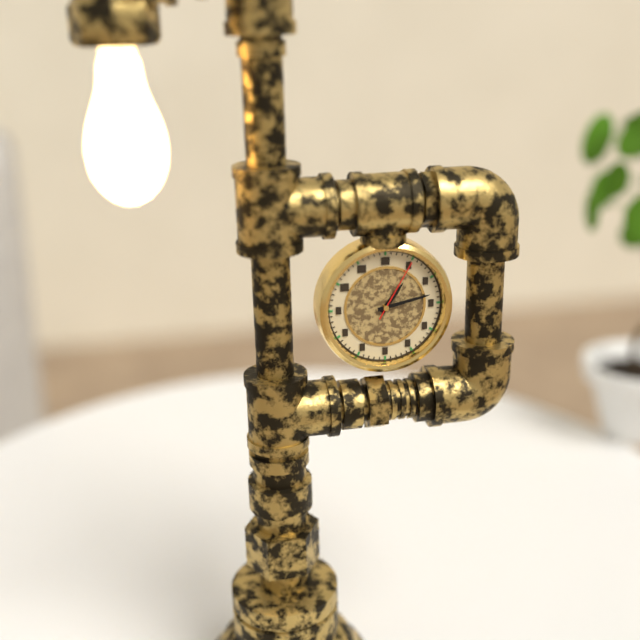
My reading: 1:13:05
